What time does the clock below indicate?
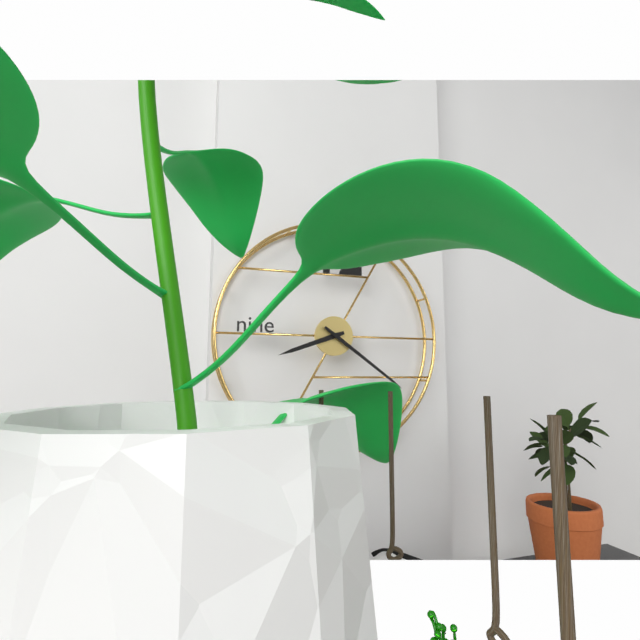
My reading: 8:21
